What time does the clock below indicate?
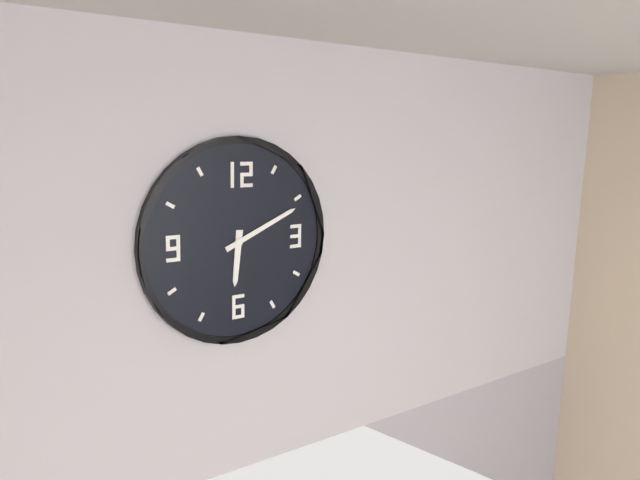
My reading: 6:11
